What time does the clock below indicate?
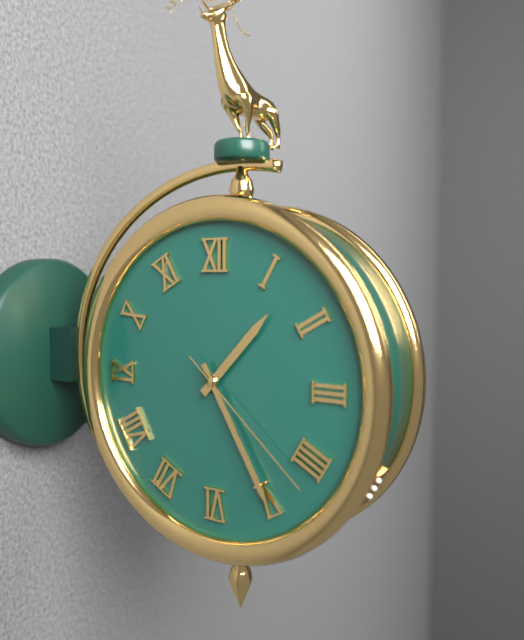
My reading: 1:25:22
